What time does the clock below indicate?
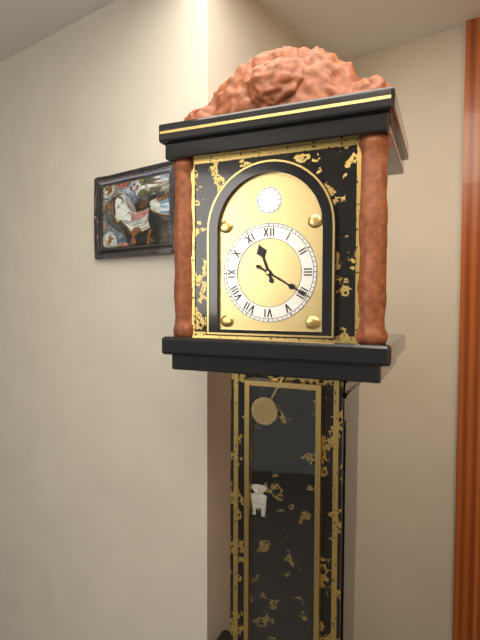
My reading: 11:20
